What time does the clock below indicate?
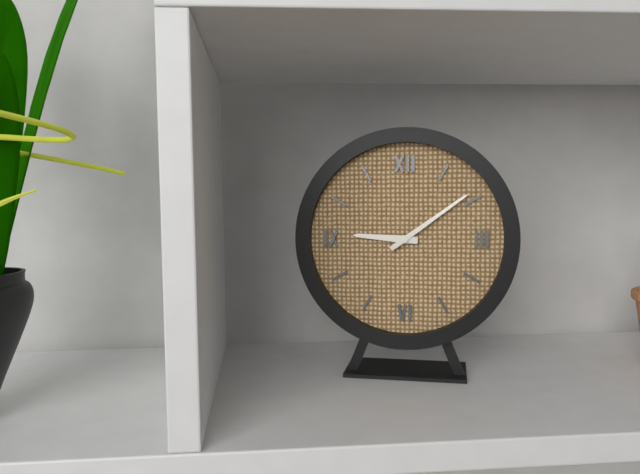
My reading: 9:09
